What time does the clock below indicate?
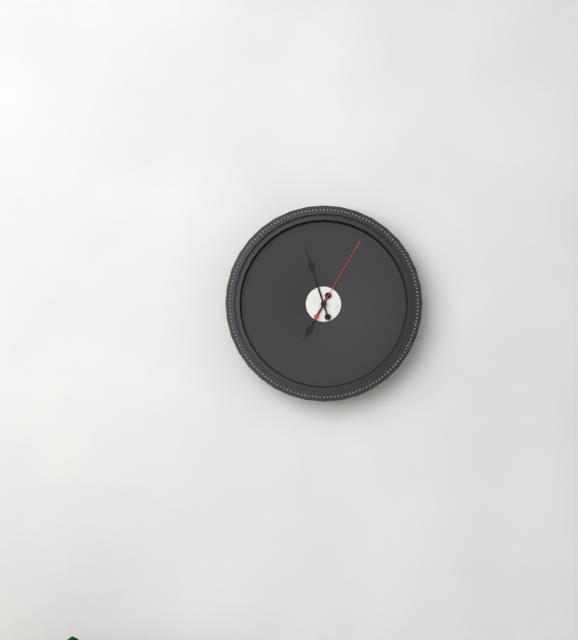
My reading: 6:57:05
